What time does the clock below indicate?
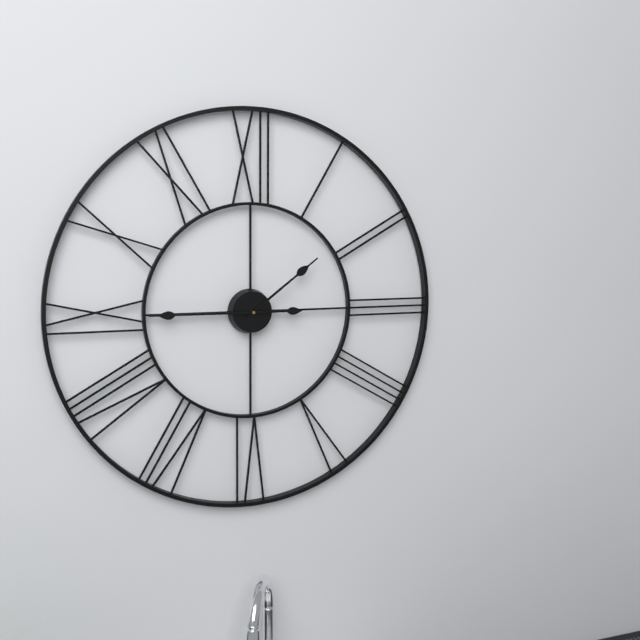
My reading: 1:45
